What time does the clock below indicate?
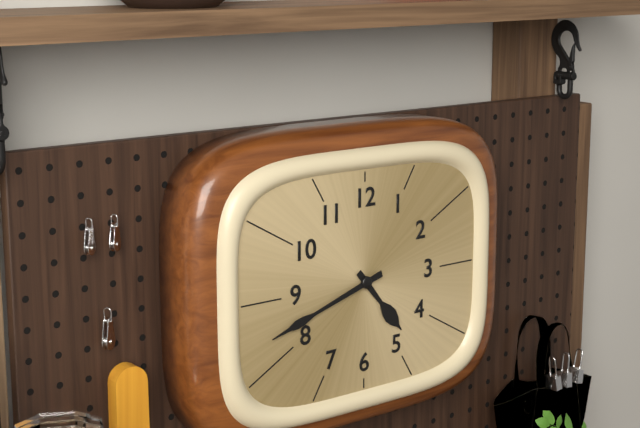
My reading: 4:42
